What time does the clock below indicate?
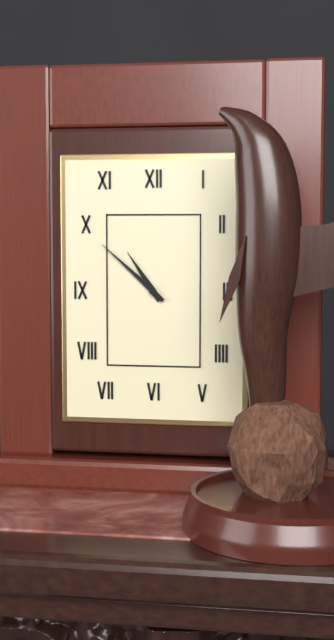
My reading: 10:52
